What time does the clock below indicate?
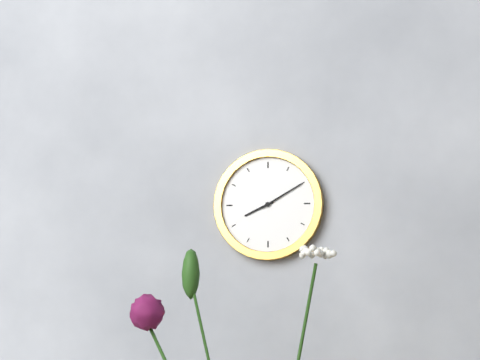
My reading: 8:10
